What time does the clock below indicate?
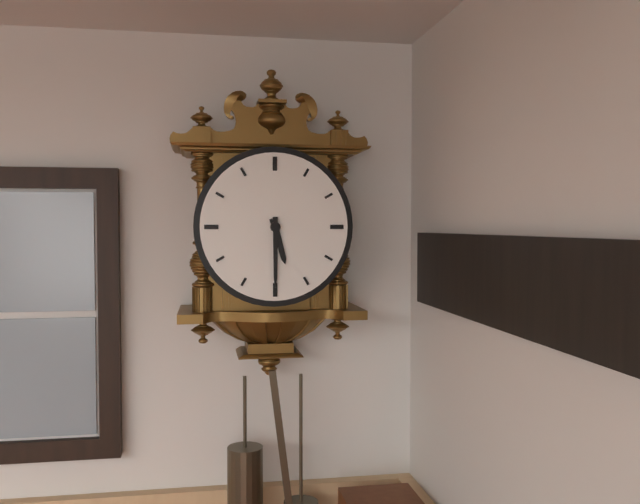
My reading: 5:30
